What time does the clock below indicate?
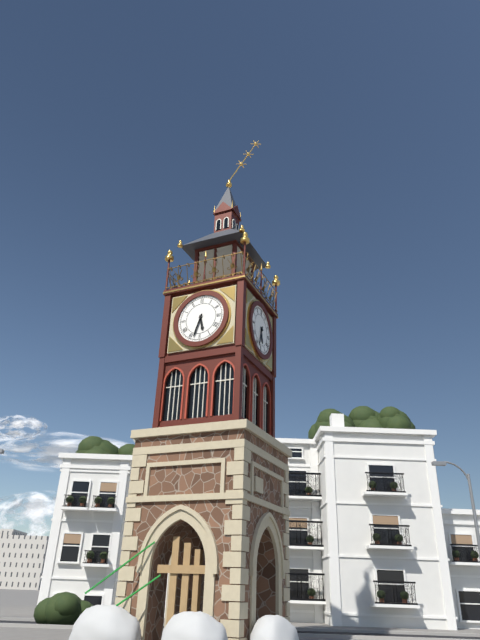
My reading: 5:33
